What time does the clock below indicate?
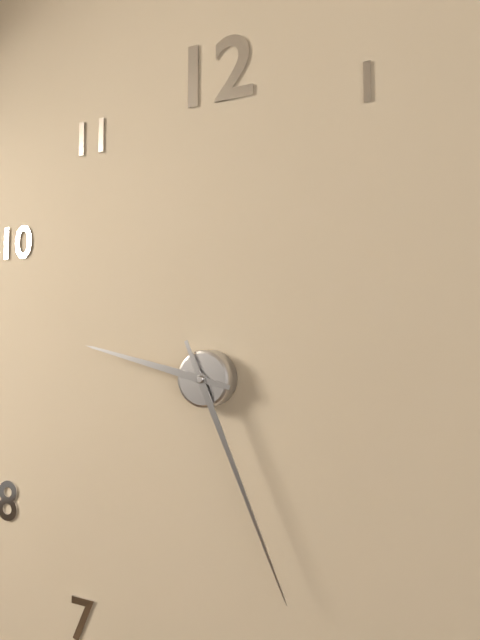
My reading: 9:26
